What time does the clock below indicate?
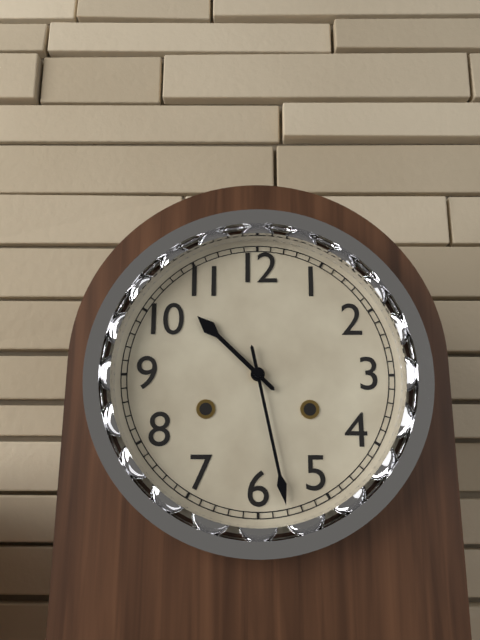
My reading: 10:28
